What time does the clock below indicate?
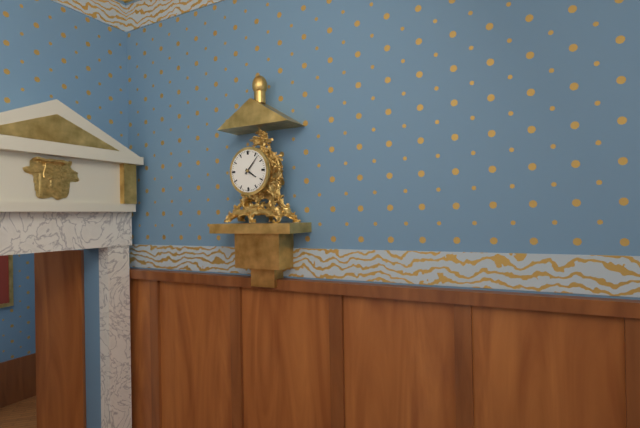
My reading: 4:07
